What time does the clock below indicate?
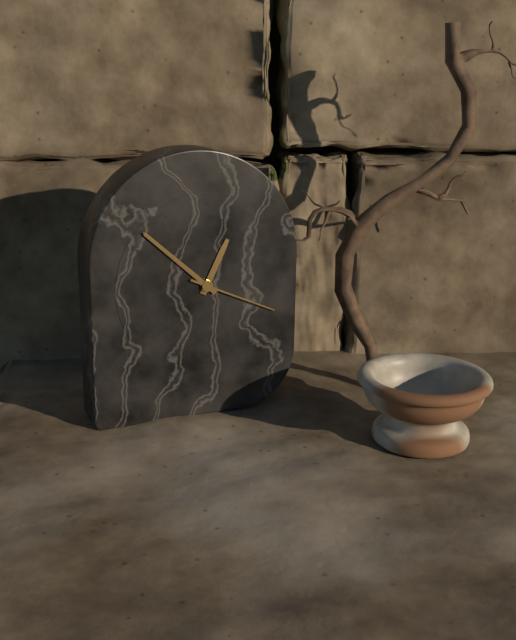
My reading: 12:52:19
